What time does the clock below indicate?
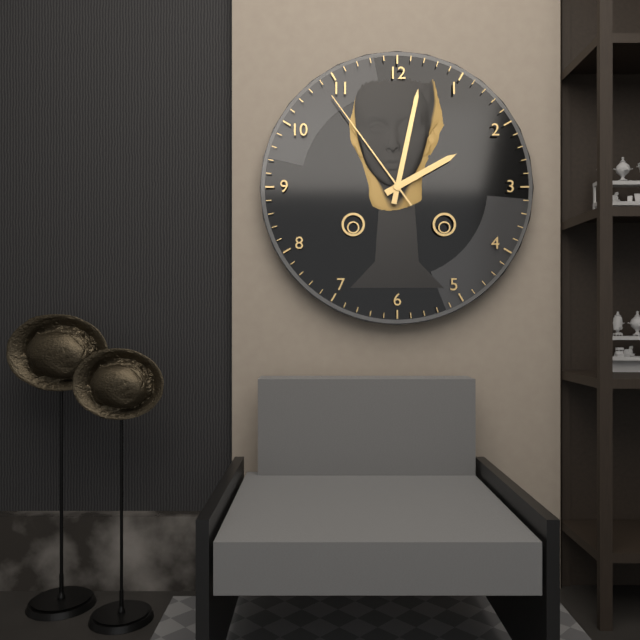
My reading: 2:02:54
